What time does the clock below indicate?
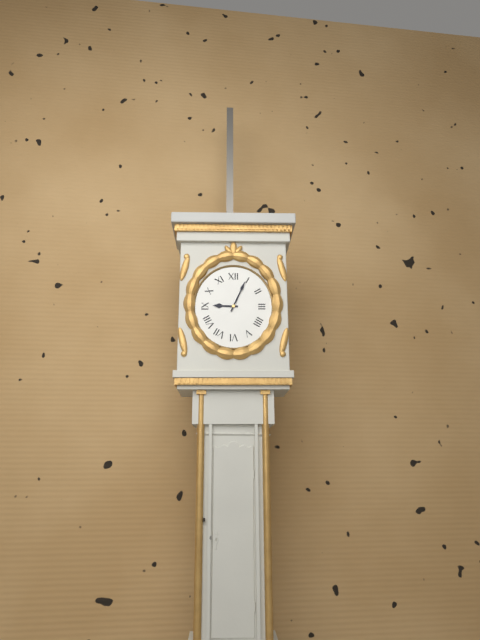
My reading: 9:04
